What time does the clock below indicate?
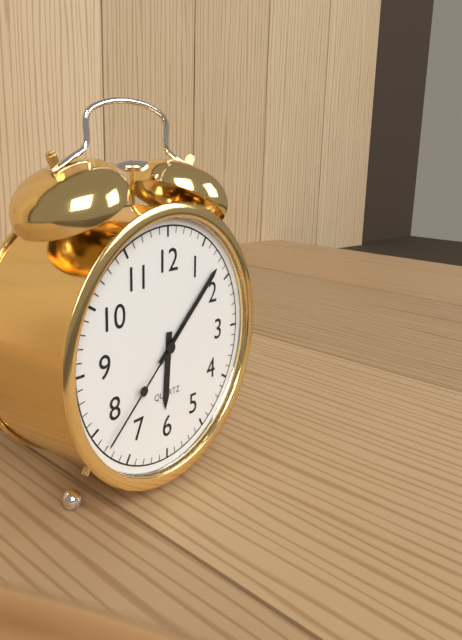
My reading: 6:08:38
